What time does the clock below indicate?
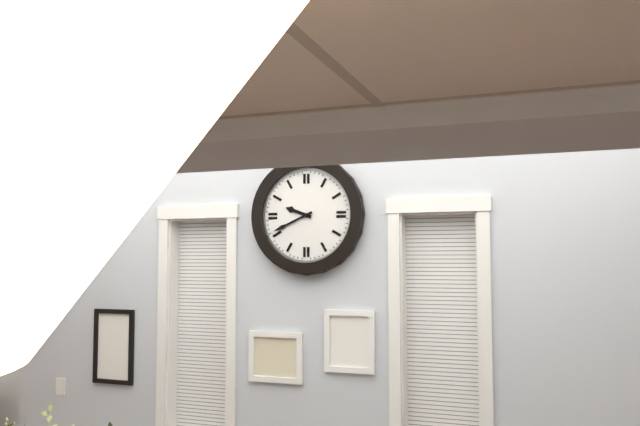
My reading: 9:41
